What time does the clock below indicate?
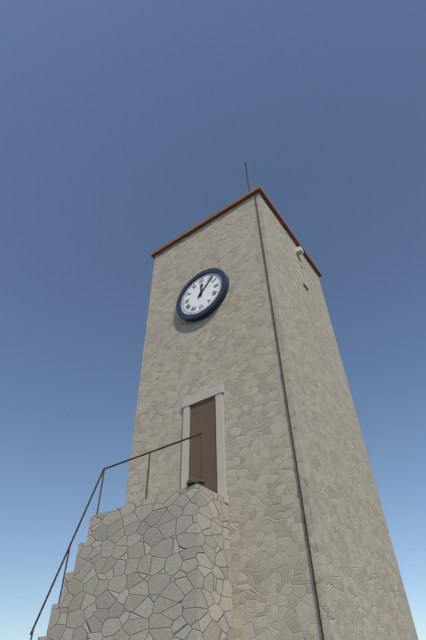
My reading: 12:07
